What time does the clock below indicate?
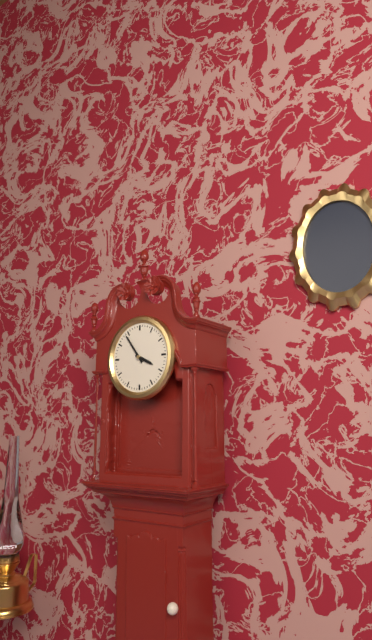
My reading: 3:54
